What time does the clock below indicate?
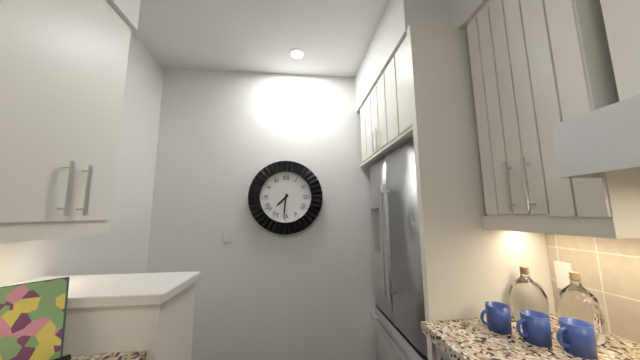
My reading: 7:31
